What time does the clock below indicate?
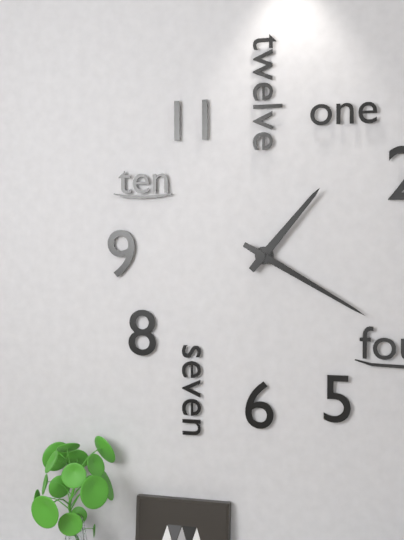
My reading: 1:20
